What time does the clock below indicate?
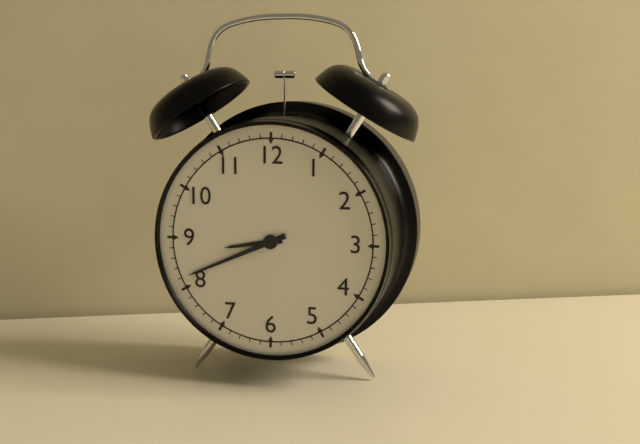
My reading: 8:41
